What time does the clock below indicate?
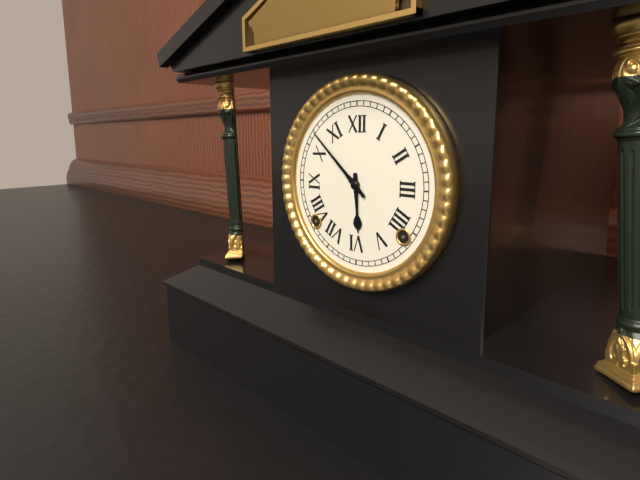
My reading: 5:52
